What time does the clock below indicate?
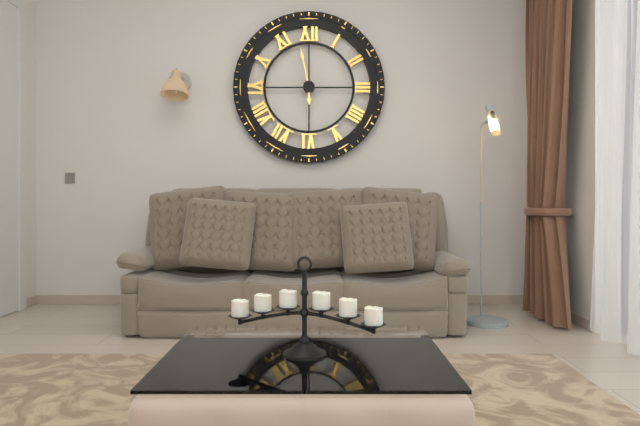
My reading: 5:58
